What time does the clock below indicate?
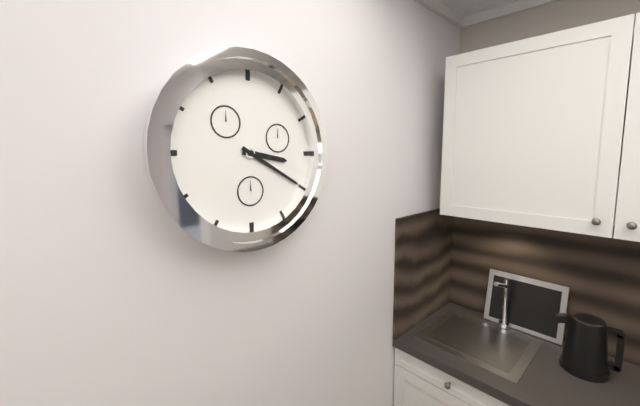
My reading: 3:20
